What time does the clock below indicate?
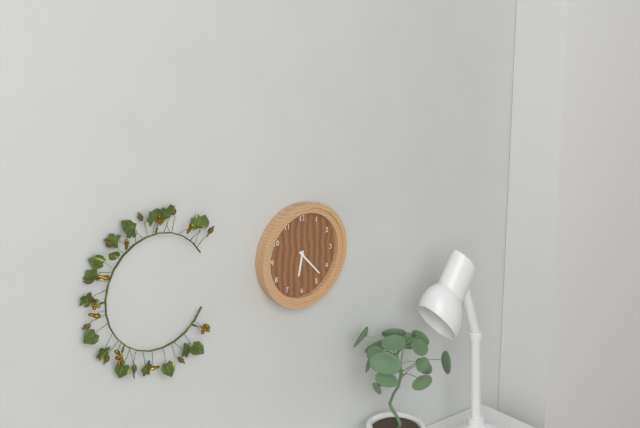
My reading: 6:23
